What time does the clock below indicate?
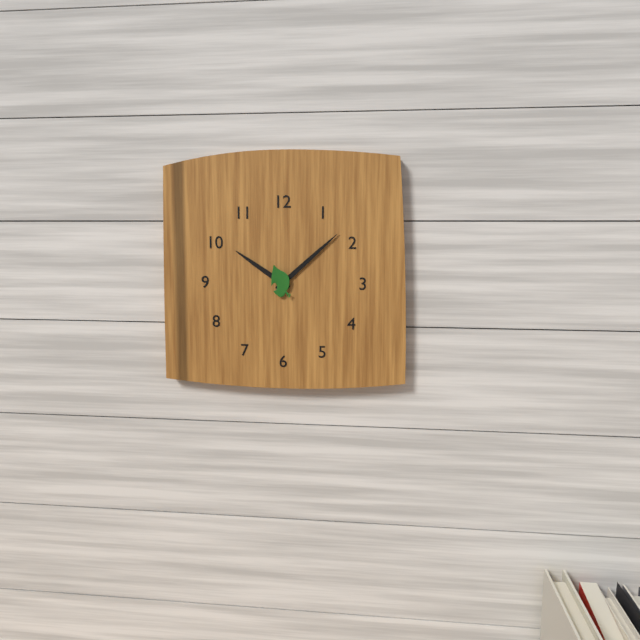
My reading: 10:08
